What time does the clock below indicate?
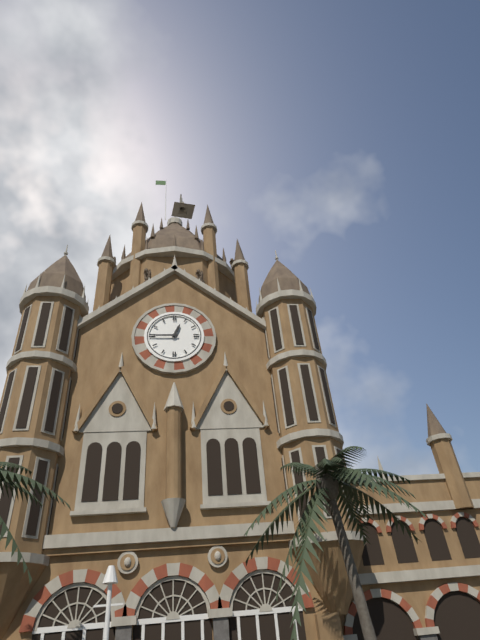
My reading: 12:45
